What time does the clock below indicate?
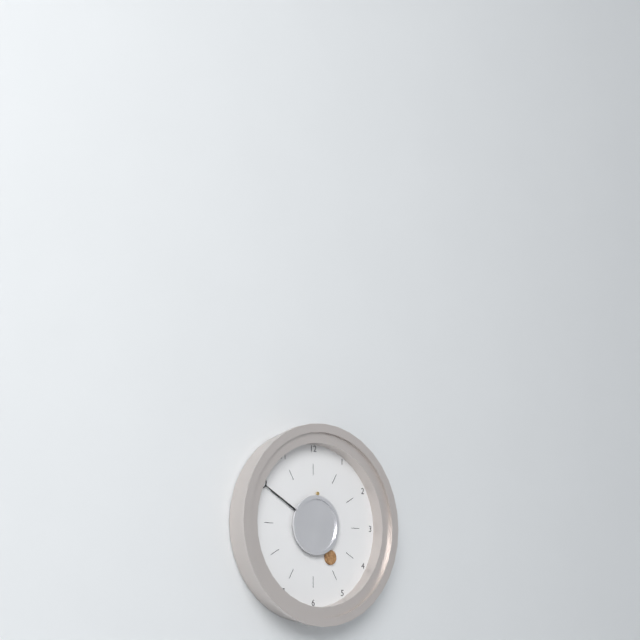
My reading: 4:50
